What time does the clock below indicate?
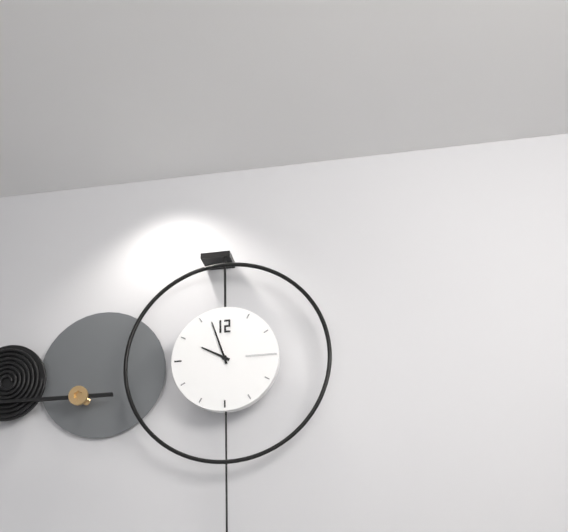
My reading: 9:57
